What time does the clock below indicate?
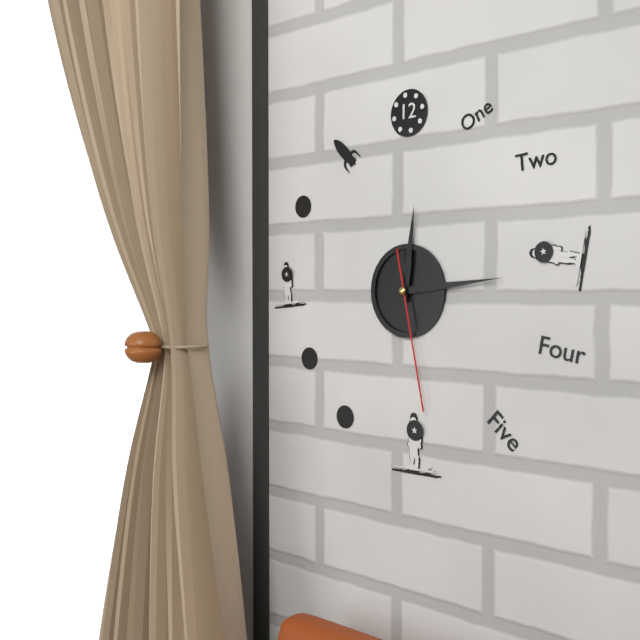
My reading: 12:14:28
